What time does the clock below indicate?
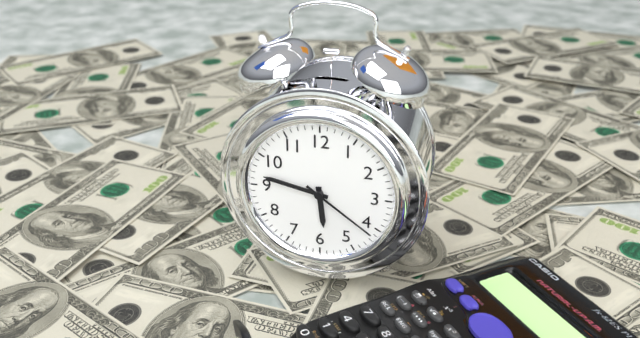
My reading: 5:47:21
